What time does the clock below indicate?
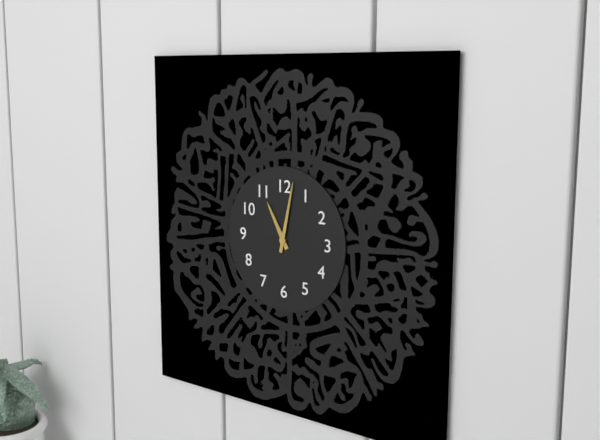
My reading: 11:02
